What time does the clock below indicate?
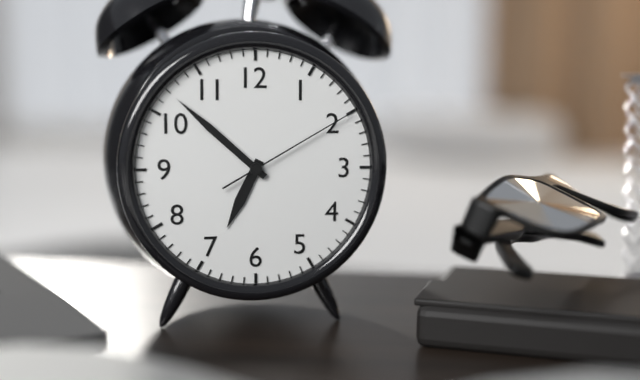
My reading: 6:52:10
